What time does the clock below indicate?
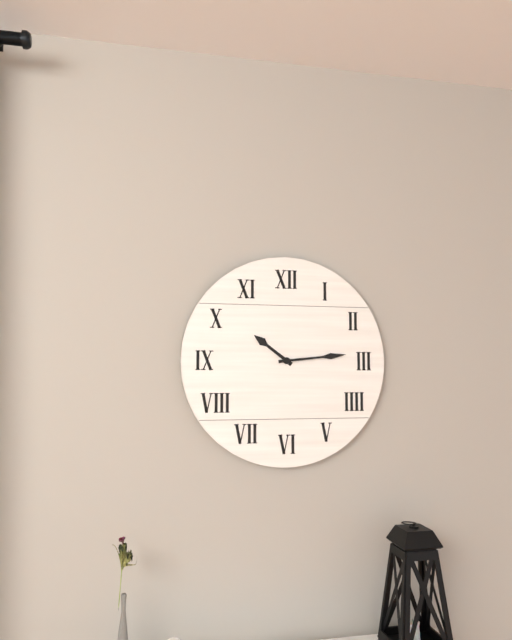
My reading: 10:14
